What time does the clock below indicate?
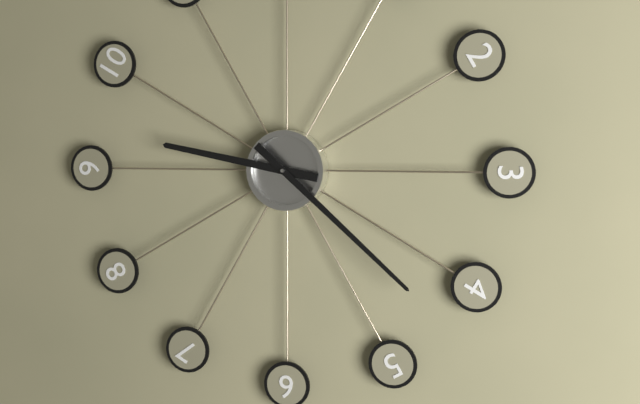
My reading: 9:22
